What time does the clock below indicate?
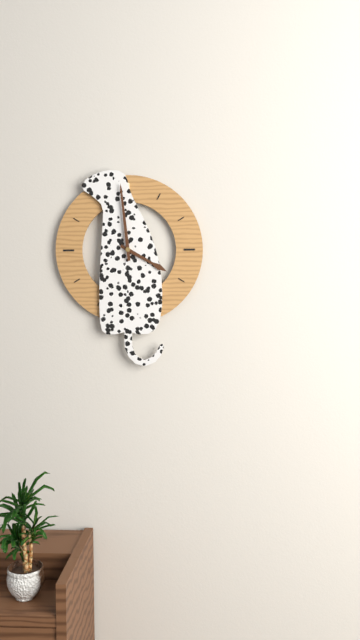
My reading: 3:59
